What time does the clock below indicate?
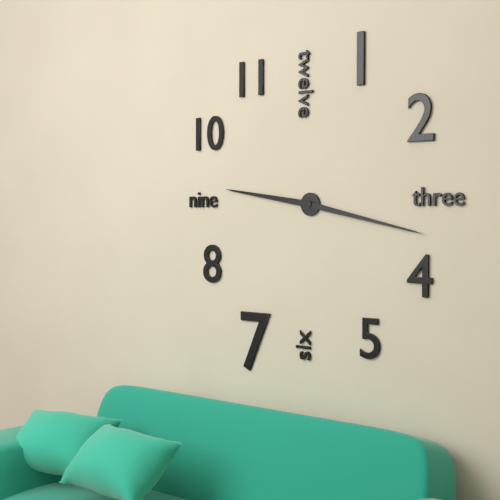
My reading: 9:17
